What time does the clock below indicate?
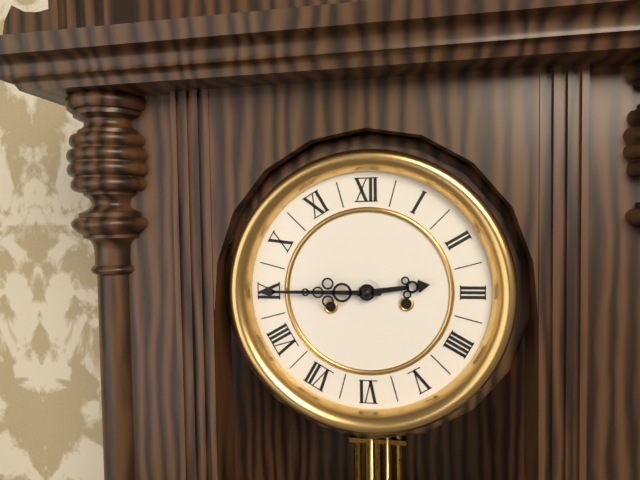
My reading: 2:45
